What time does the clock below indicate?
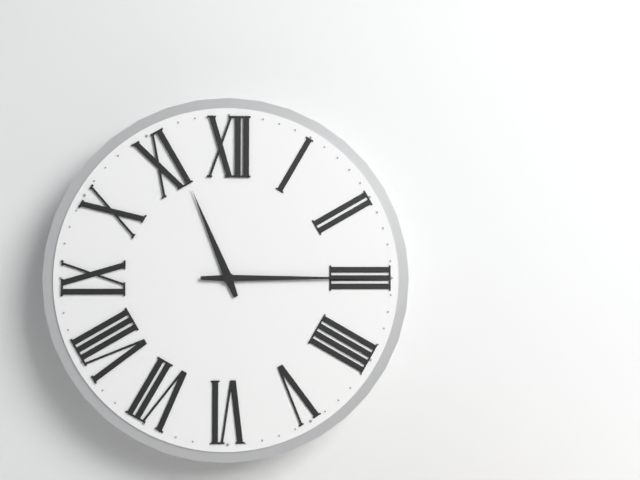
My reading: 11:15
